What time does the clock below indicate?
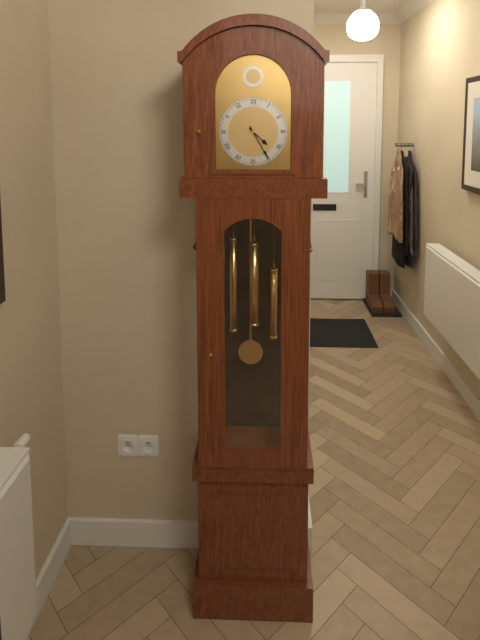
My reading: 4:25
